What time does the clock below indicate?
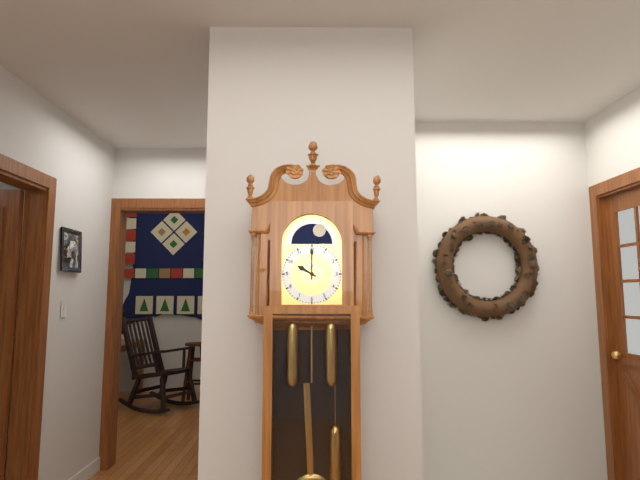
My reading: 10:00
